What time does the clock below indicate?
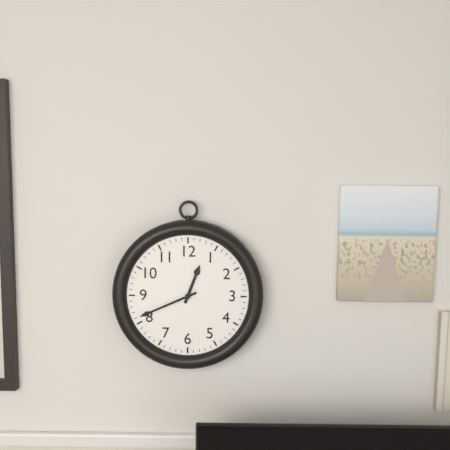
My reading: 12:41
